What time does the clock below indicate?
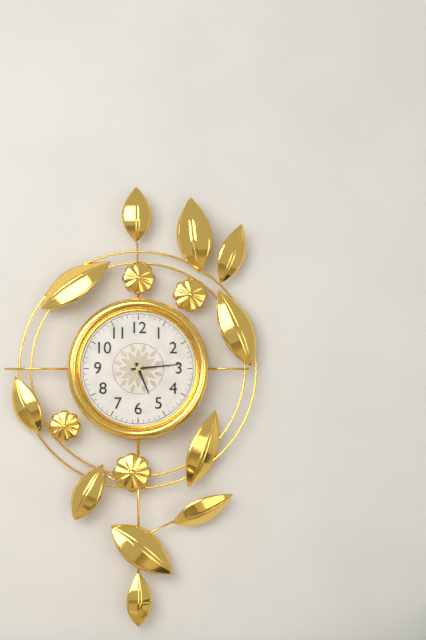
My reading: 5:14
